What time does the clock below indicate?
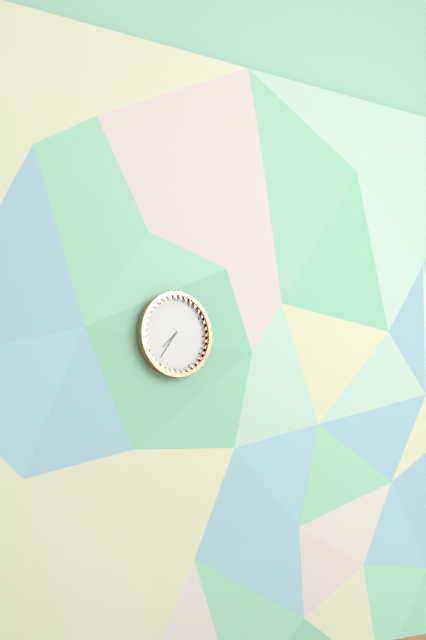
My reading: 7:36
